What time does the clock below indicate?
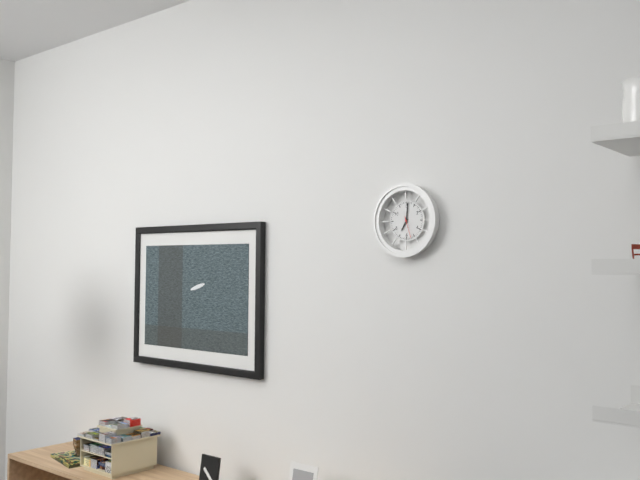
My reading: 7:01
